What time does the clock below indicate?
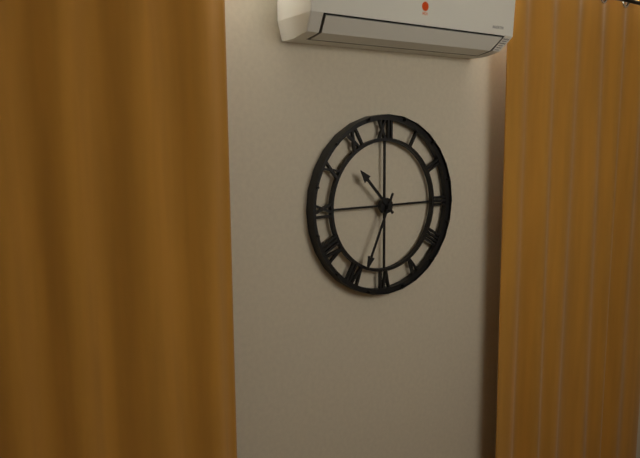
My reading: 10:34
